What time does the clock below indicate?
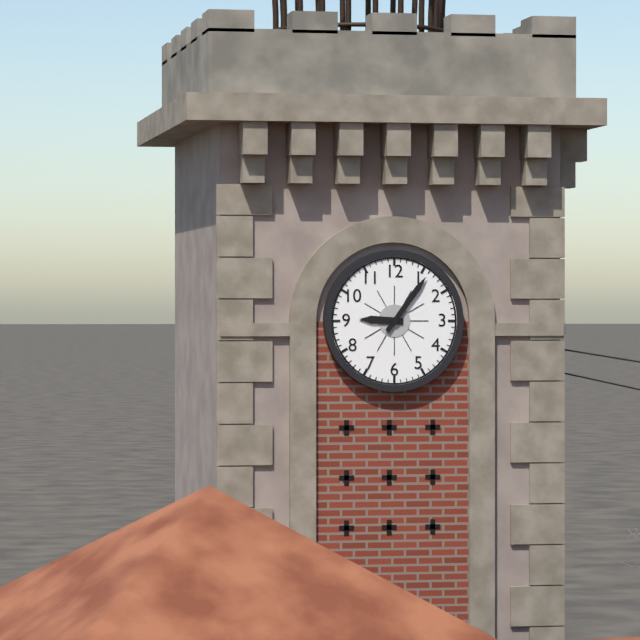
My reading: 9:06
